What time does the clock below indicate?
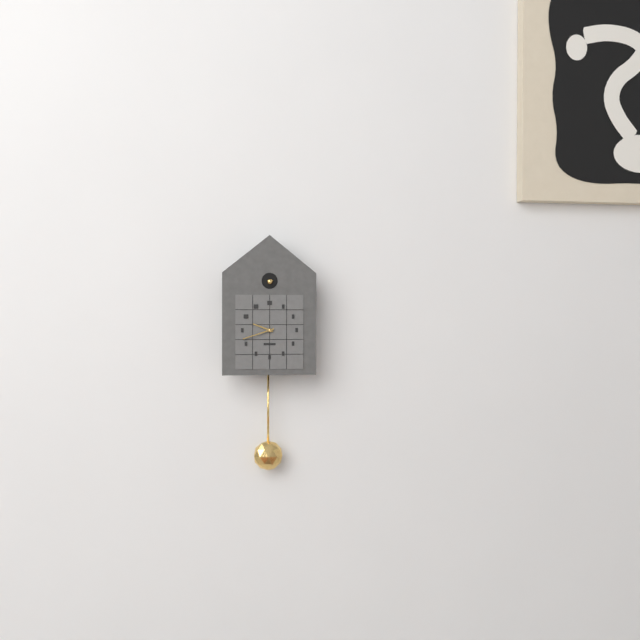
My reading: 9:42
